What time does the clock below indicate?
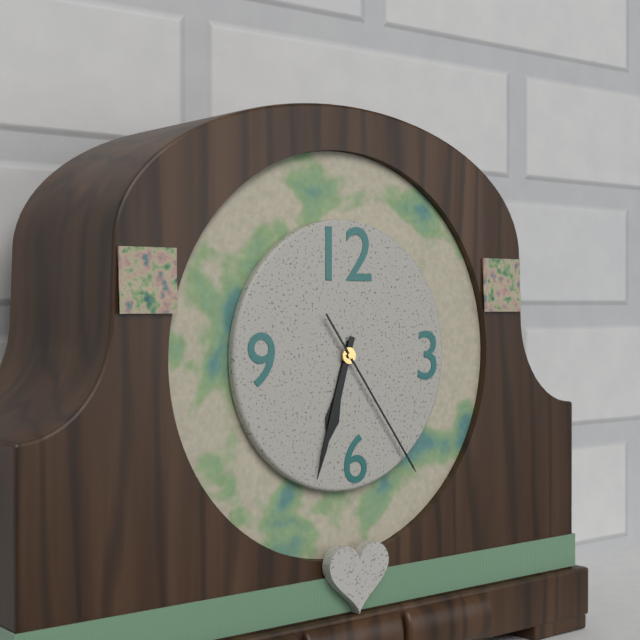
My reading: 6:33:24
